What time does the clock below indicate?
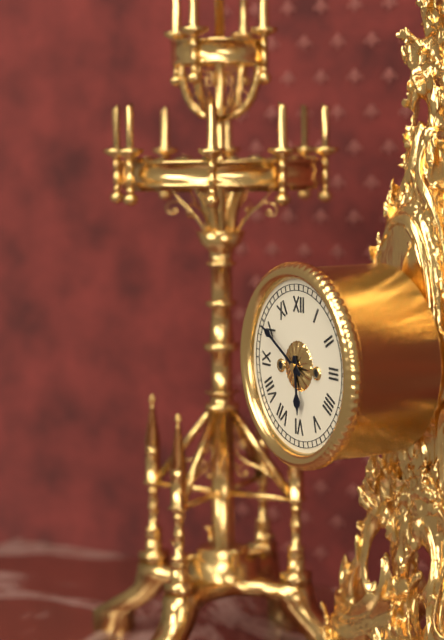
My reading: 5:50
